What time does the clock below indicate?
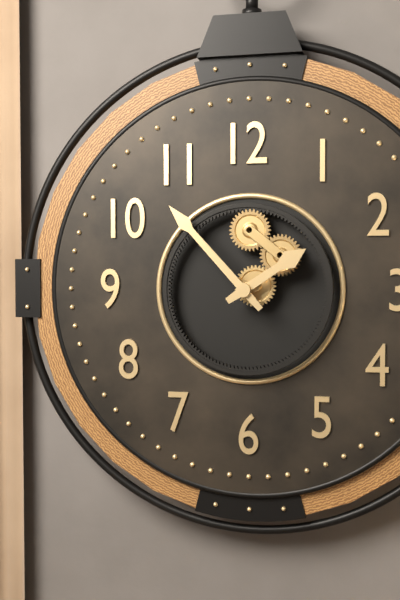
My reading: 1:53
